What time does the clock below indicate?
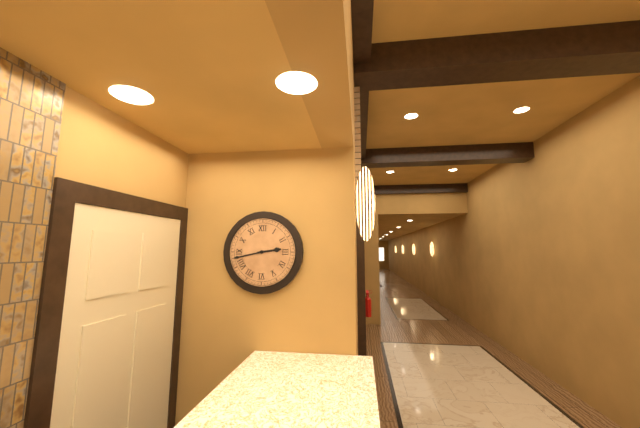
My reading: 2:43
